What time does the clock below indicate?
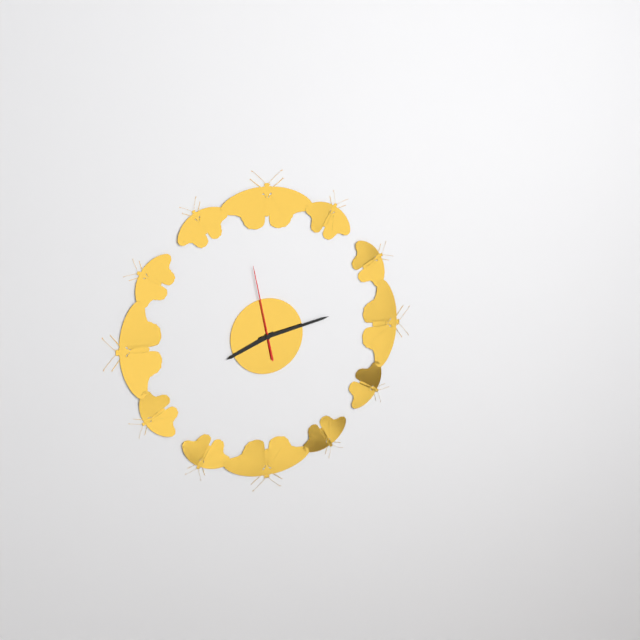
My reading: 8:13:58
